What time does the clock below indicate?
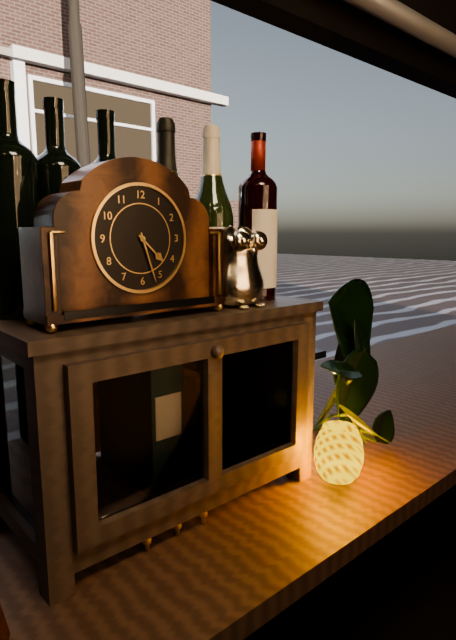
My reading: 4:27
